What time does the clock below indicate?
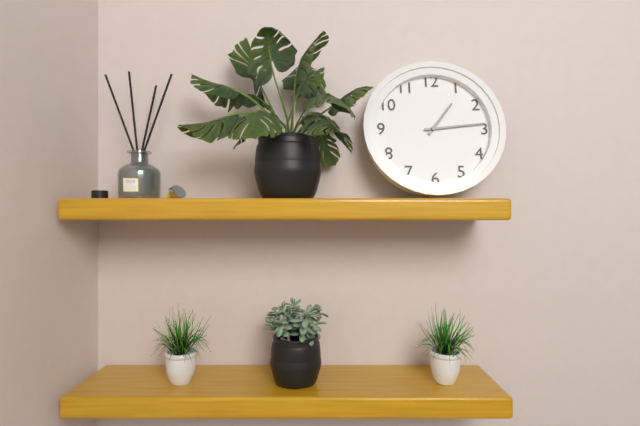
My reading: 1:14
